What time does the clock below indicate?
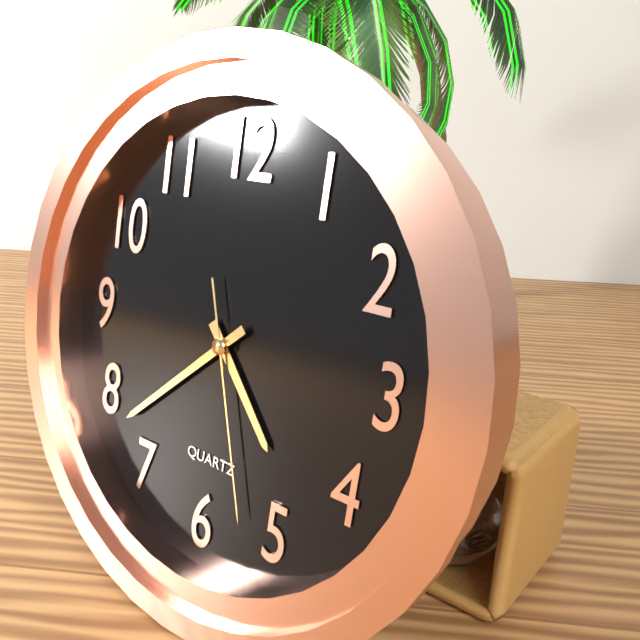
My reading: 4:38:27
